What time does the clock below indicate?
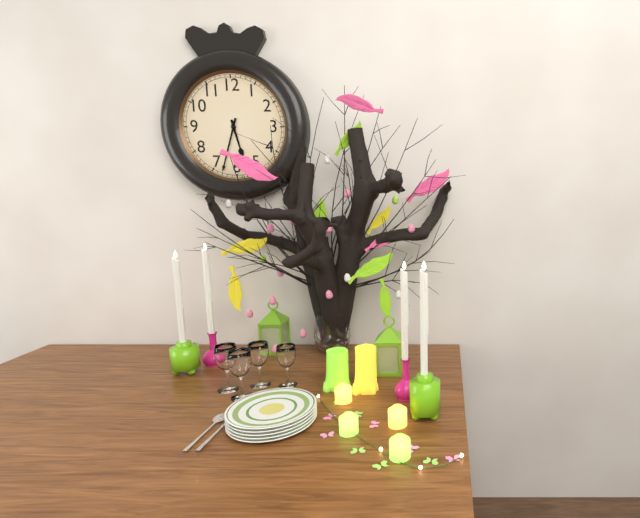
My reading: 5:33
